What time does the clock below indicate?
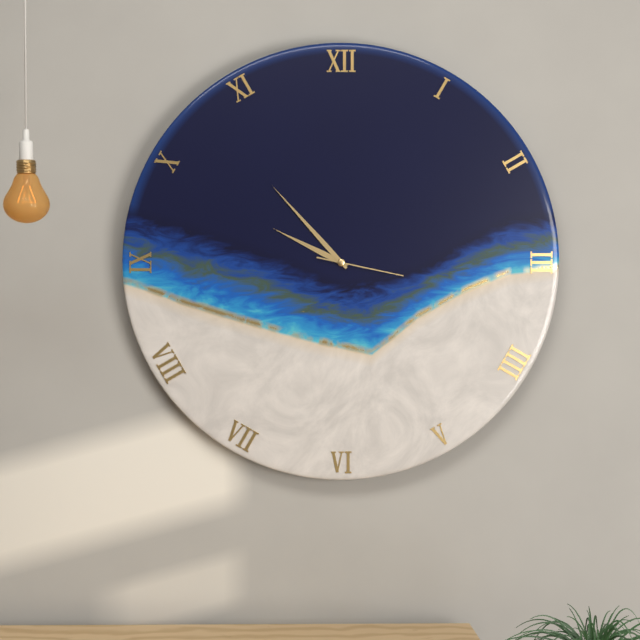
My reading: 9:53:17
